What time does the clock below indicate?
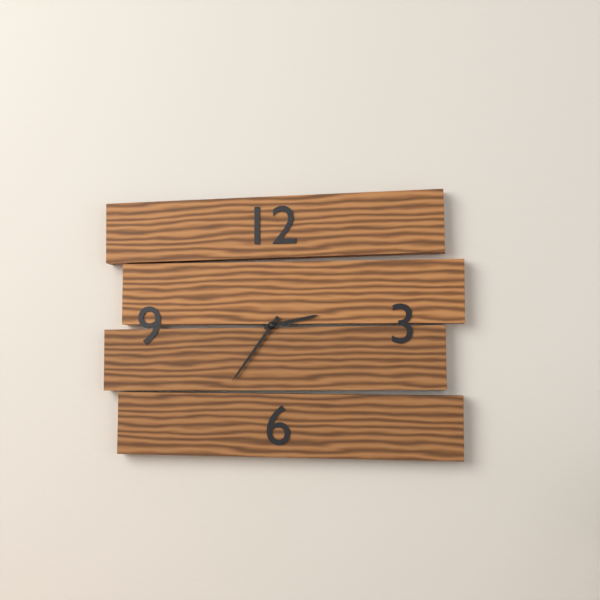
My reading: 2:36
